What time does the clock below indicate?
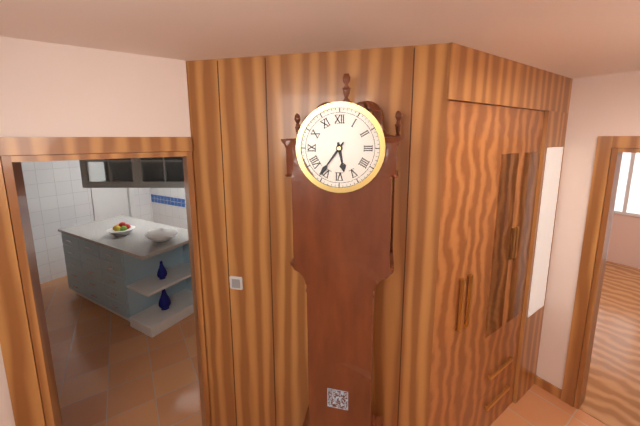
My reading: 5:36
